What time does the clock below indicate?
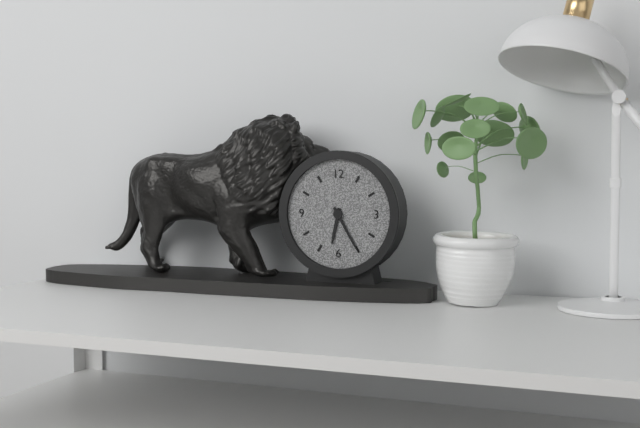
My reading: 6:25
